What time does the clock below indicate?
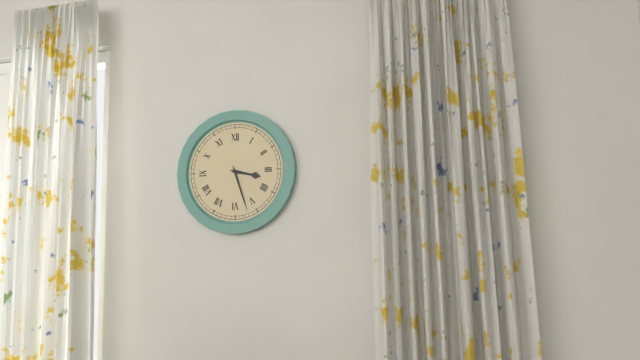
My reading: 3:27
